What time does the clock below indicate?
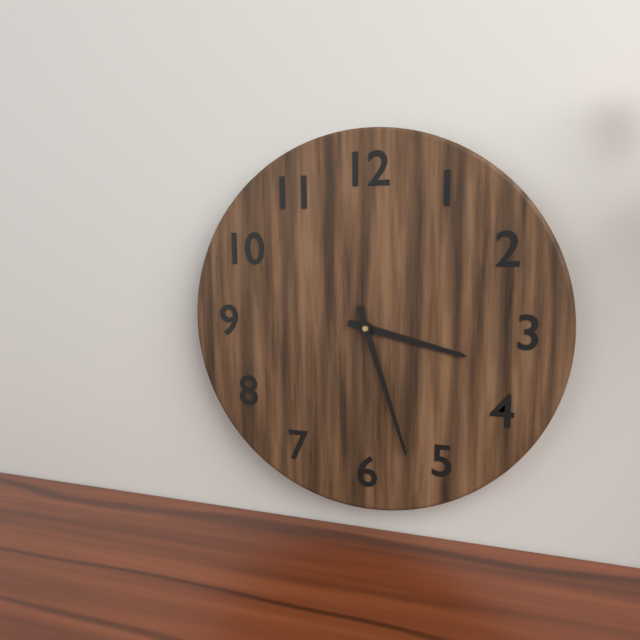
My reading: 3:27
